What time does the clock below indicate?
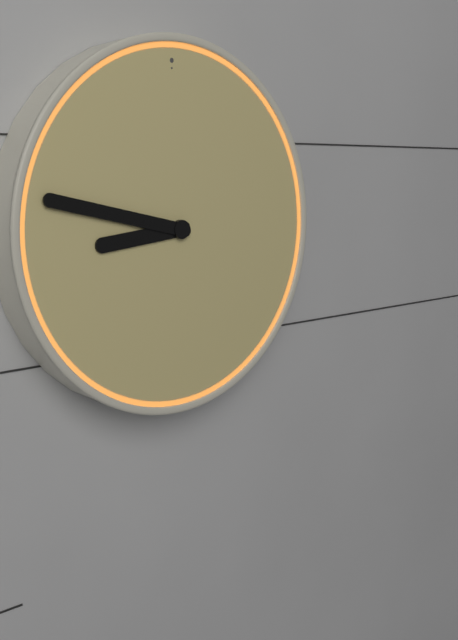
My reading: 8:47
